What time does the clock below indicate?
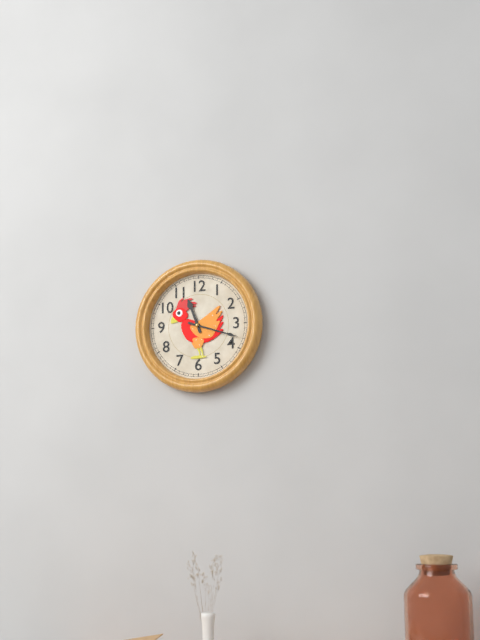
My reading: 11:18
